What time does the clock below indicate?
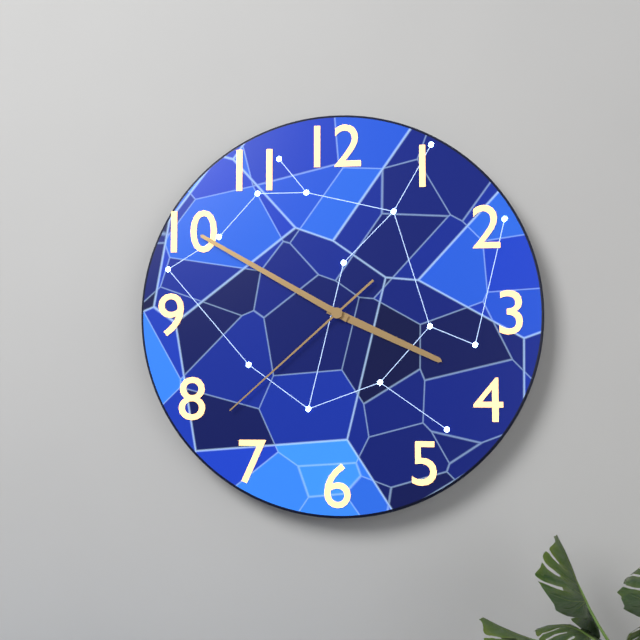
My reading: 3:50:38
